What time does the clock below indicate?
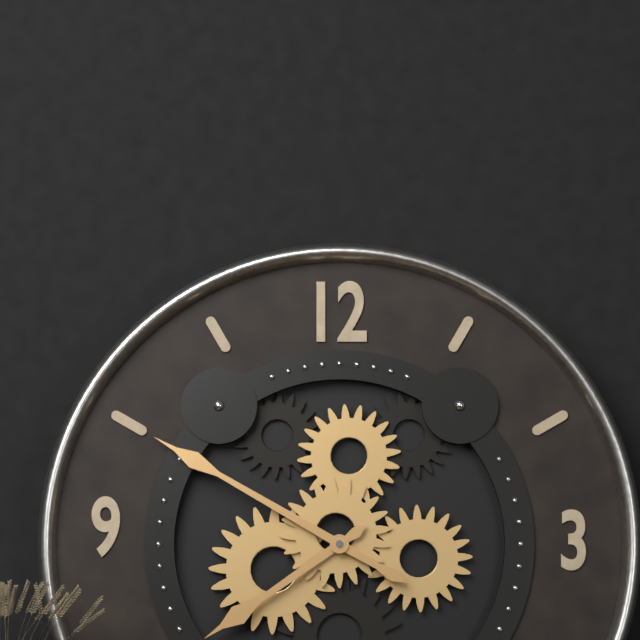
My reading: 7:50
